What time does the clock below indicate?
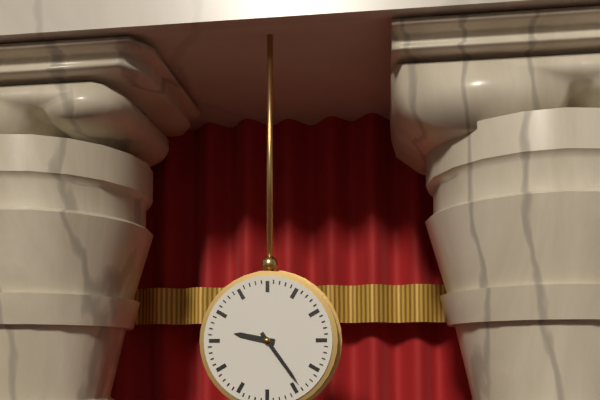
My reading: 9:24
